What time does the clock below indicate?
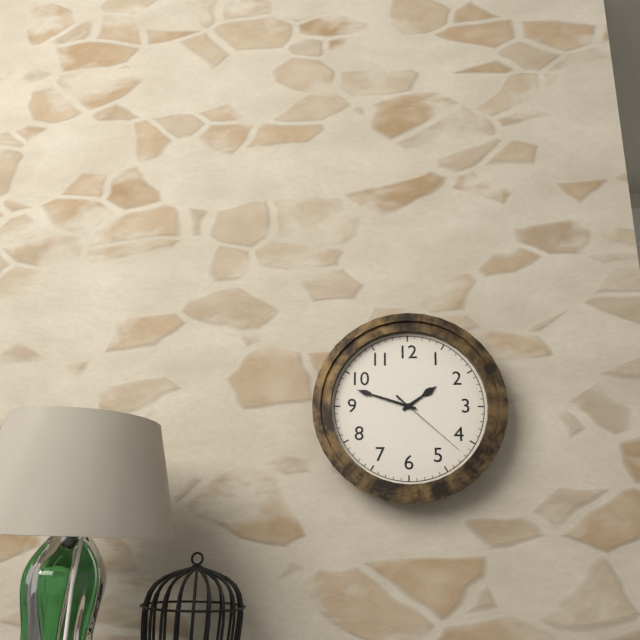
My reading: 1:48:22
